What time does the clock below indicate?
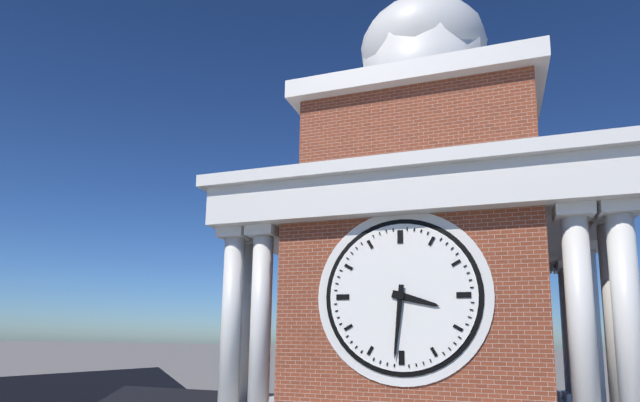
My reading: 3:31
